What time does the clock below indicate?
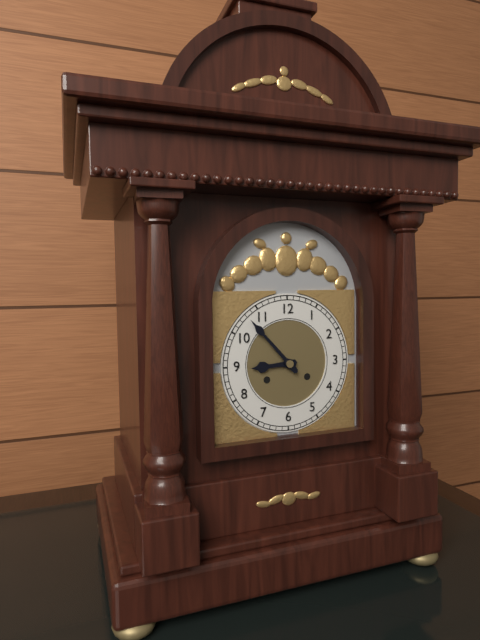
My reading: 8:53
